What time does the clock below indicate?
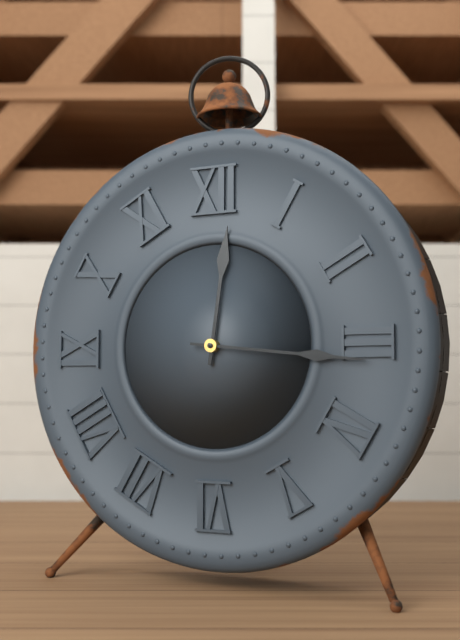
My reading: 12:16
